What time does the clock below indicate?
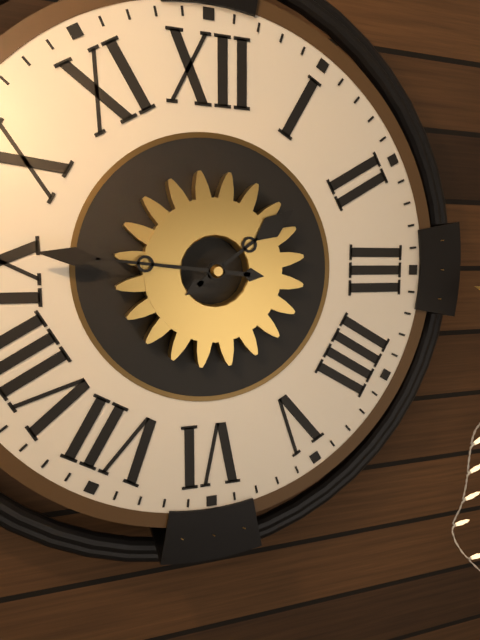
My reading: 1:46
